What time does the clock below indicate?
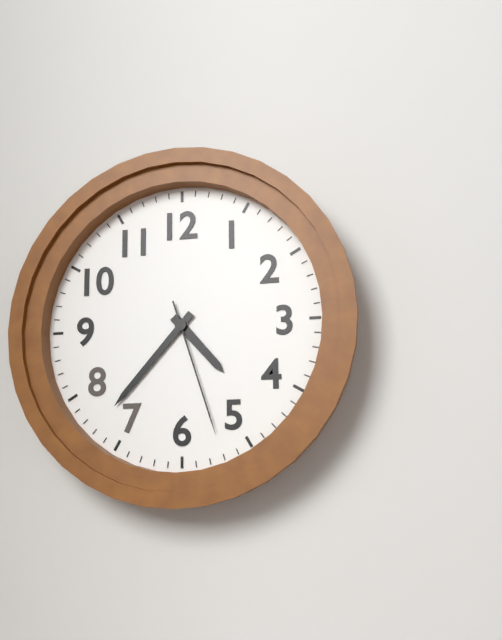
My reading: 4:37:27
